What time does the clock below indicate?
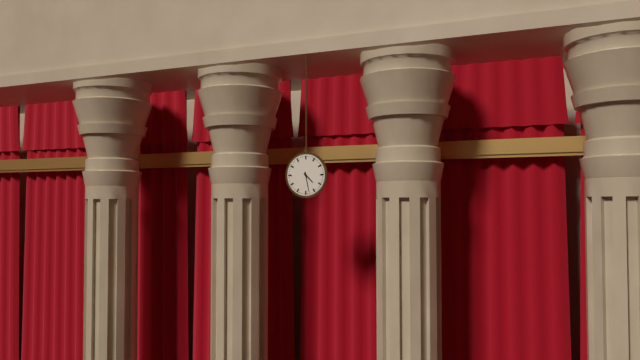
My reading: 4:28
